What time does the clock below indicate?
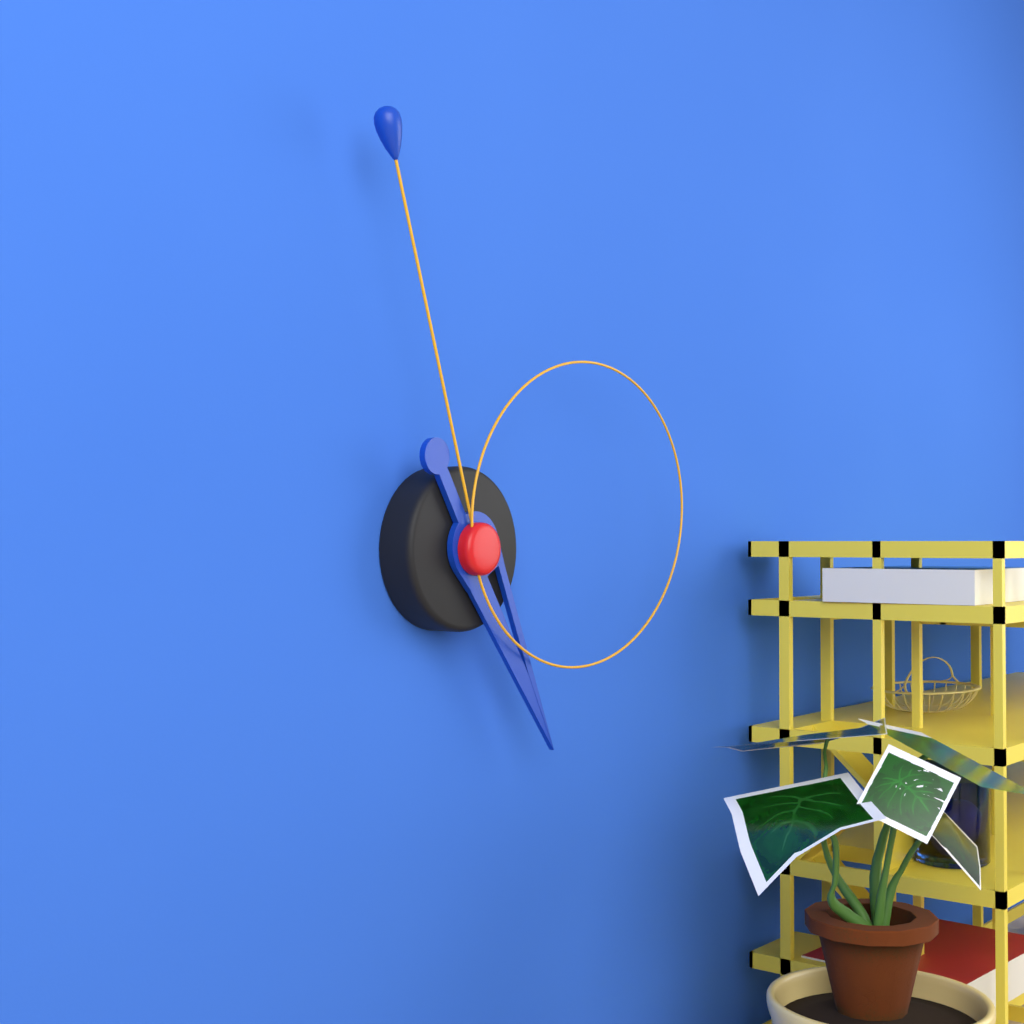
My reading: 4:57:13
